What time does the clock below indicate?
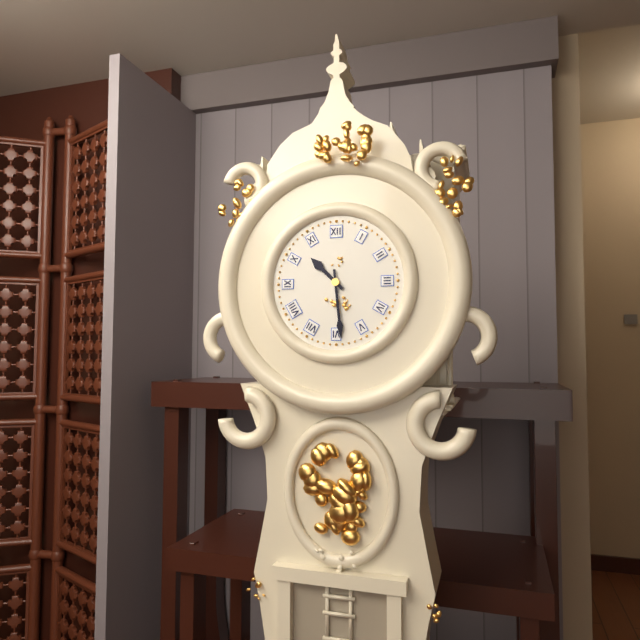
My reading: 10:29
